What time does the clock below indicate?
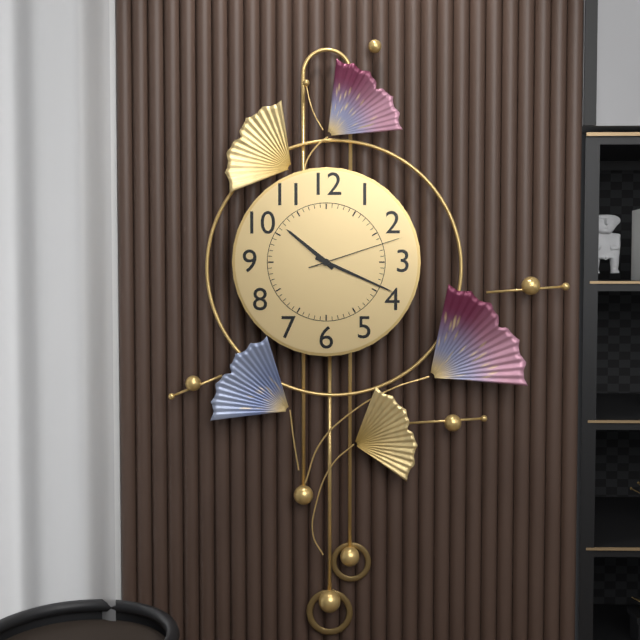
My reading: 10:19:12
